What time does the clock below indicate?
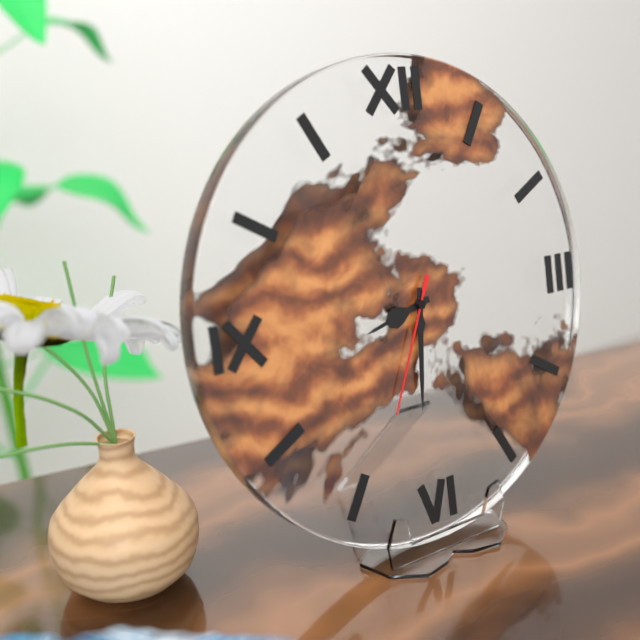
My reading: 8:31:34
